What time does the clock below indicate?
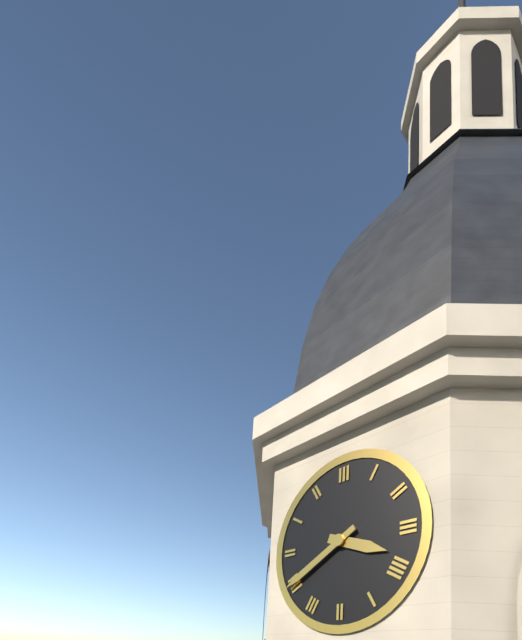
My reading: 3:40
